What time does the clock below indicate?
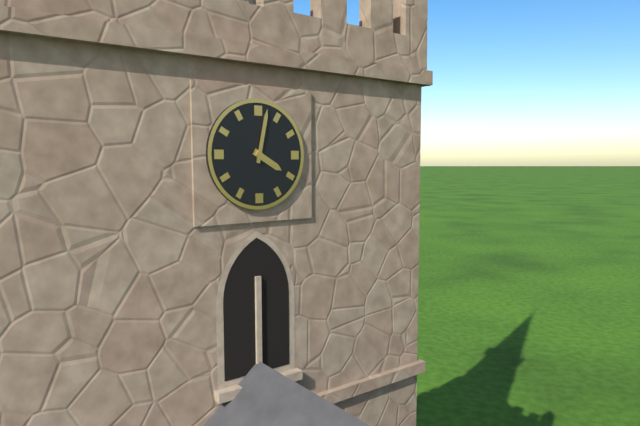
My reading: 4:02
